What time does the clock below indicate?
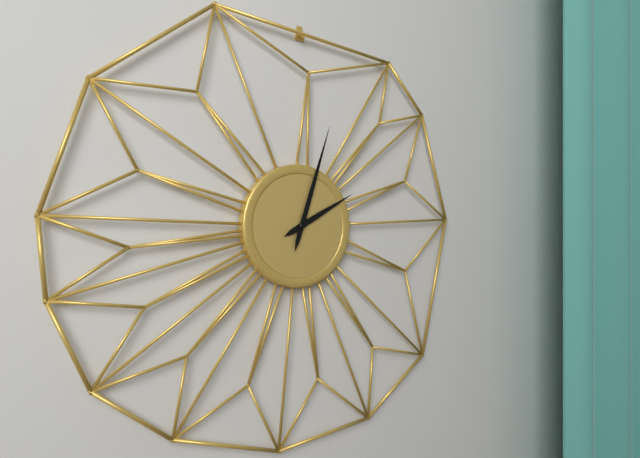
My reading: 2:03
